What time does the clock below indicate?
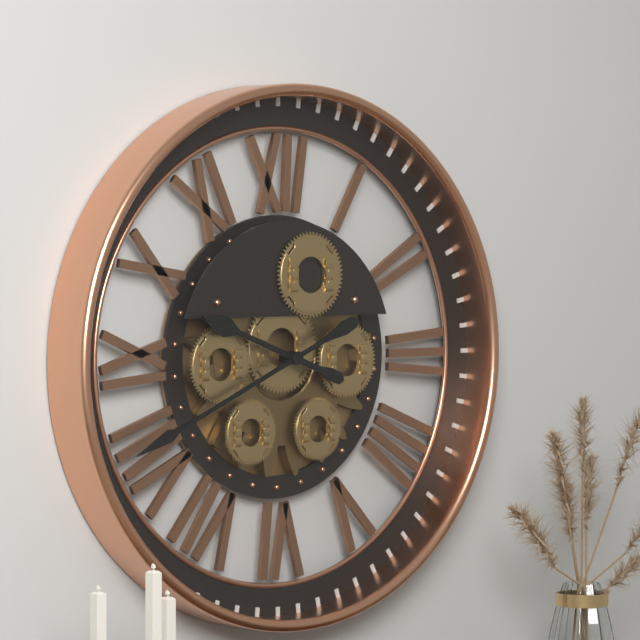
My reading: 9:41
